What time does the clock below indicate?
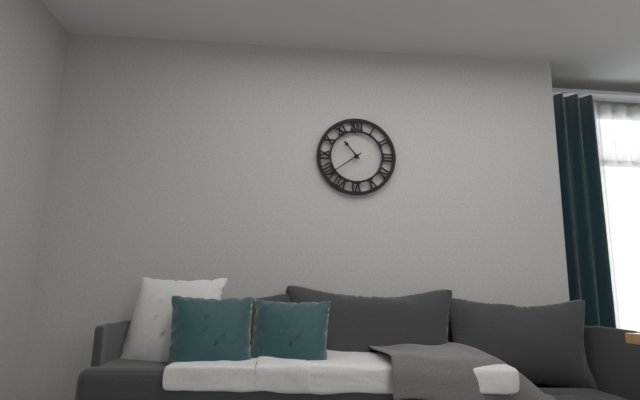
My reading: 10:39
